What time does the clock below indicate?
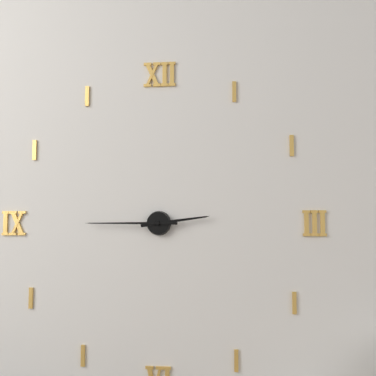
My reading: 2:45
